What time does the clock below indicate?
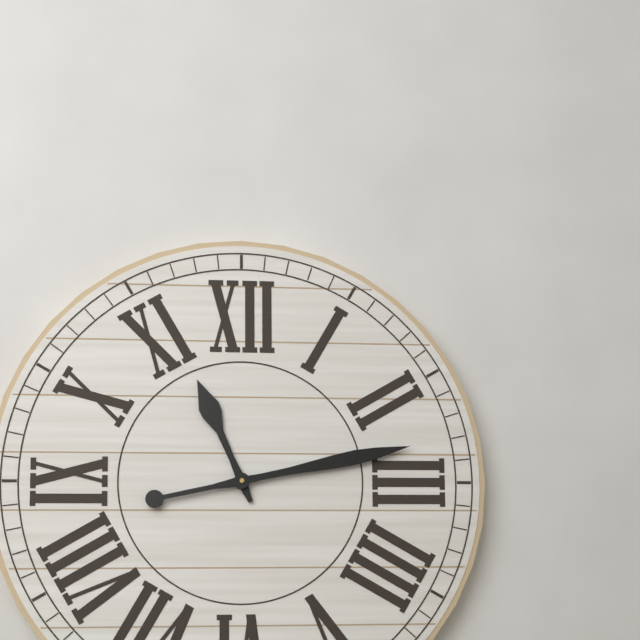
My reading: 11:13
